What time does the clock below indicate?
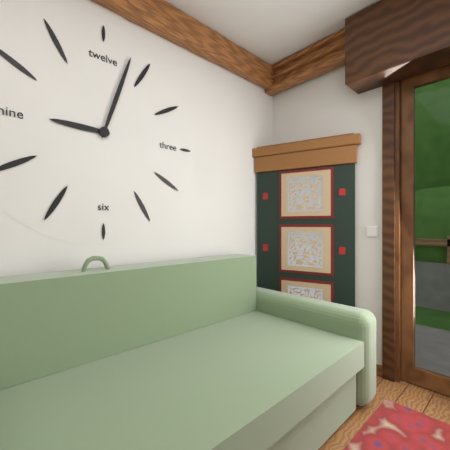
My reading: 9:03
